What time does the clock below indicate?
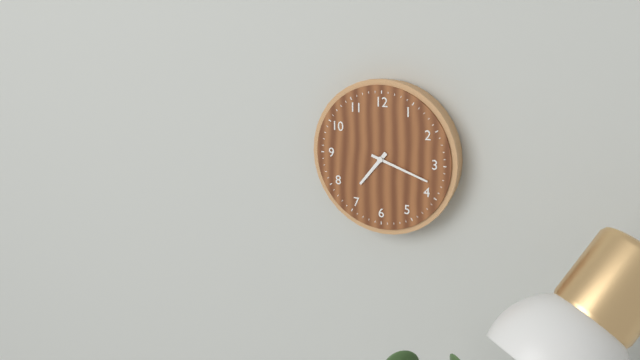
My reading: 7:18
